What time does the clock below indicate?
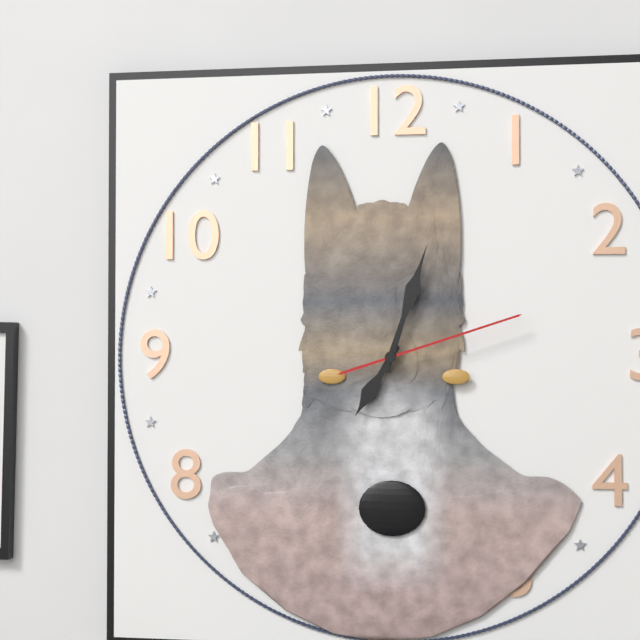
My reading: 7:03:12
